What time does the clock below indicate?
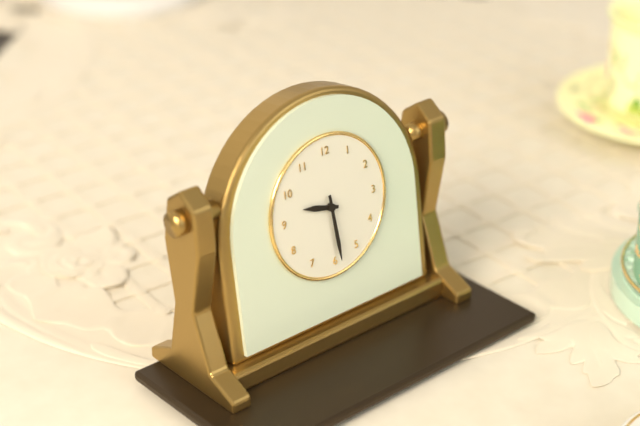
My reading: 9:29
